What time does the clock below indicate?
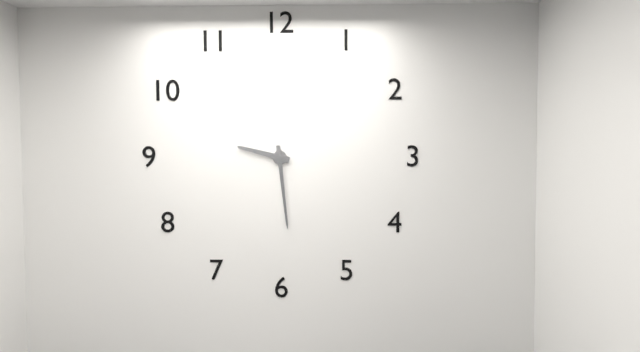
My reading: 9:29
